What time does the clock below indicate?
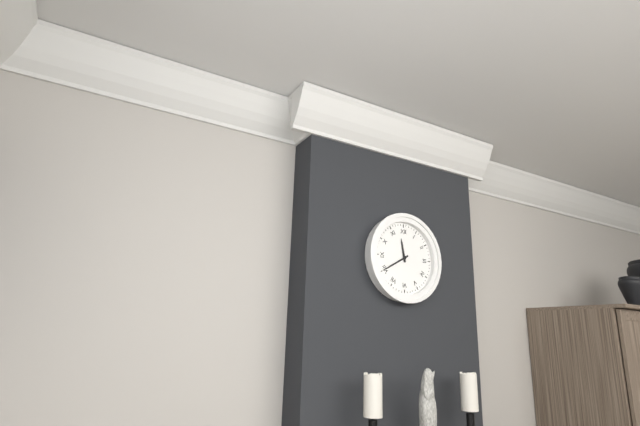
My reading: 11:40
